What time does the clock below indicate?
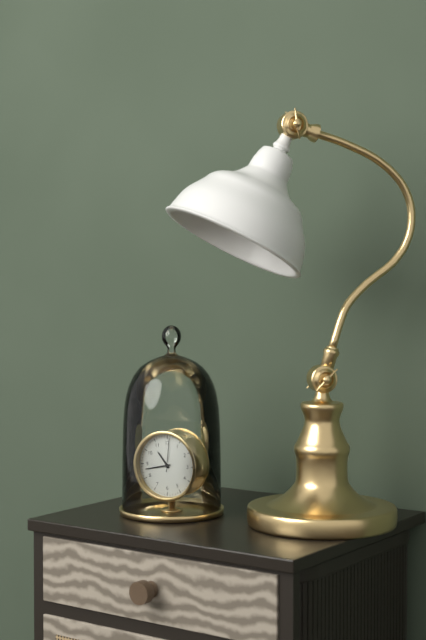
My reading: 10:43
